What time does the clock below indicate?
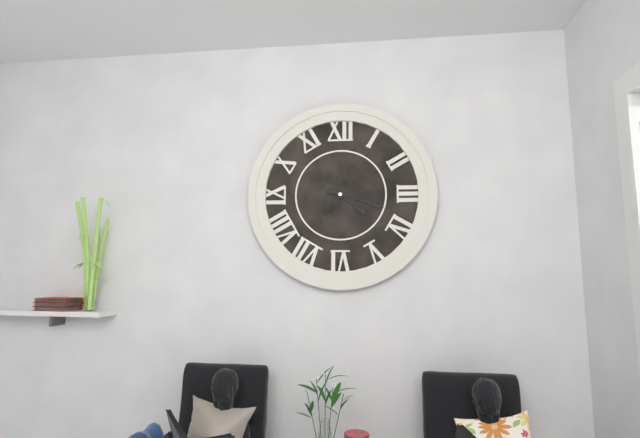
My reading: 4:18
